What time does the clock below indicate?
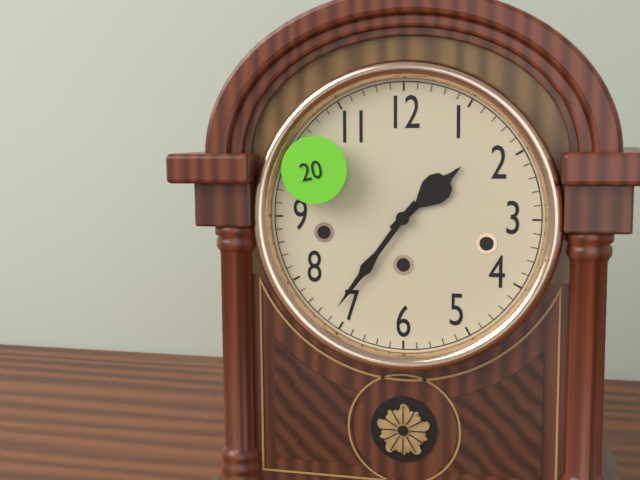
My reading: 1:36
